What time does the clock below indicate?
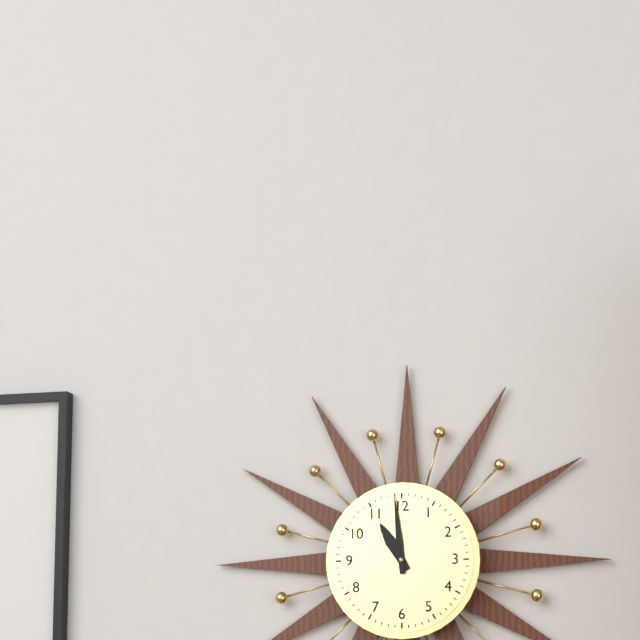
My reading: 10:59
